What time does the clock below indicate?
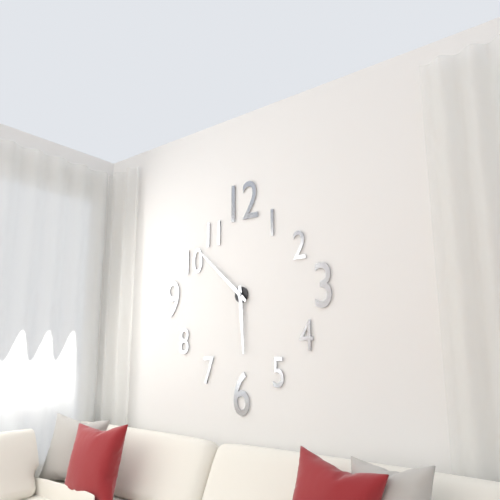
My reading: 5:52
